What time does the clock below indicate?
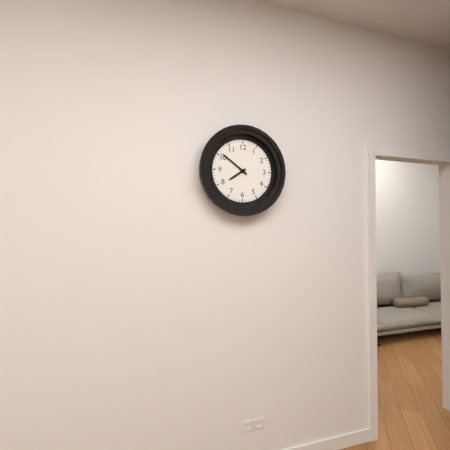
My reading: 7:51
